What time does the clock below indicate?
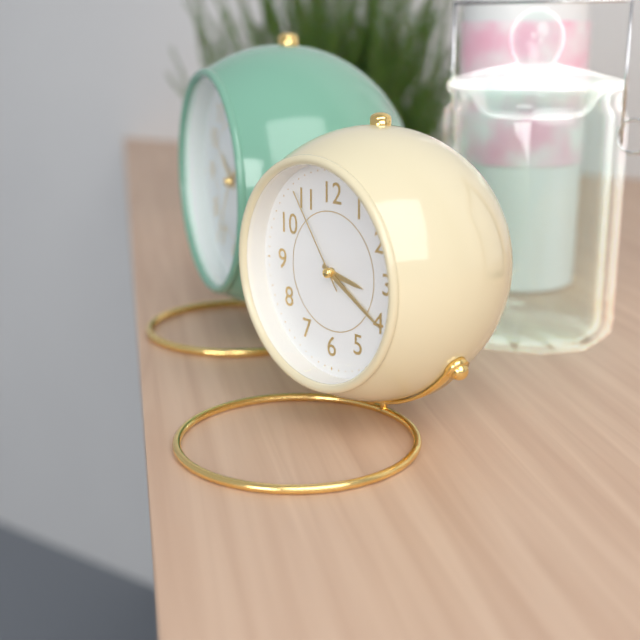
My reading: 3:20:54
